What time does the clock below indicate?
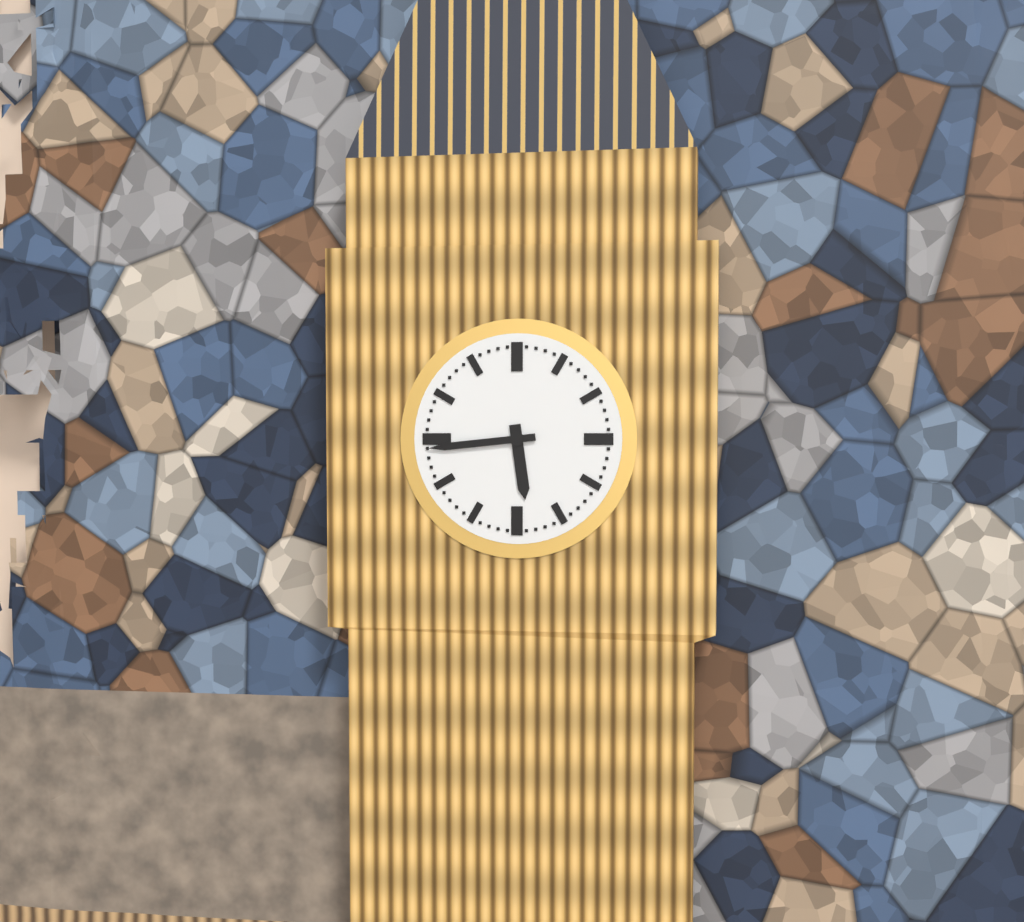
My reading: 5:44
